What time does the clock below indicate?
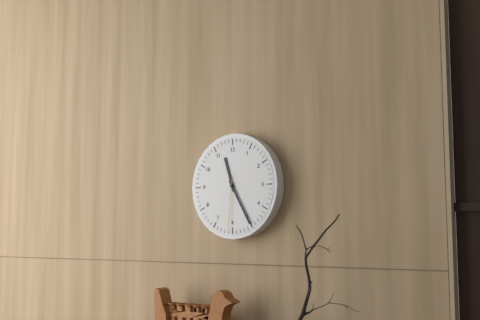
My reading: 11:25:31
